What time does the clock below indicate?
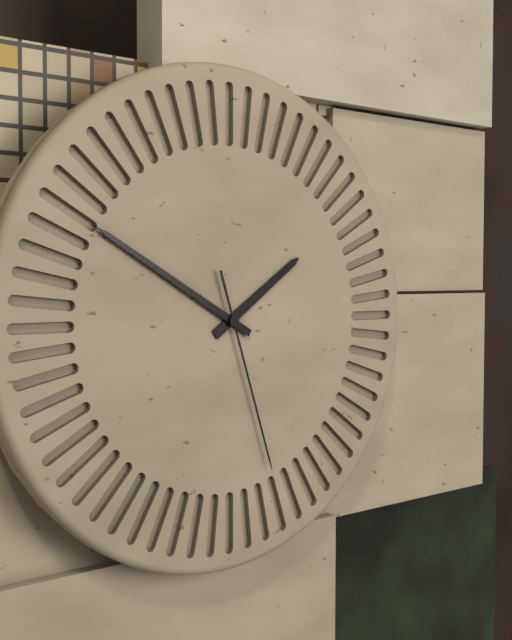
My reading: 1:50:27
